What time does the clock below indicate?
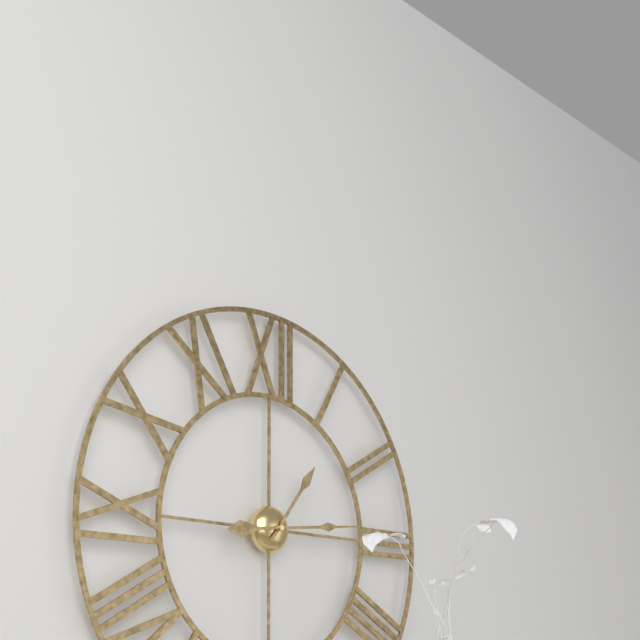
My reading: 1:14
